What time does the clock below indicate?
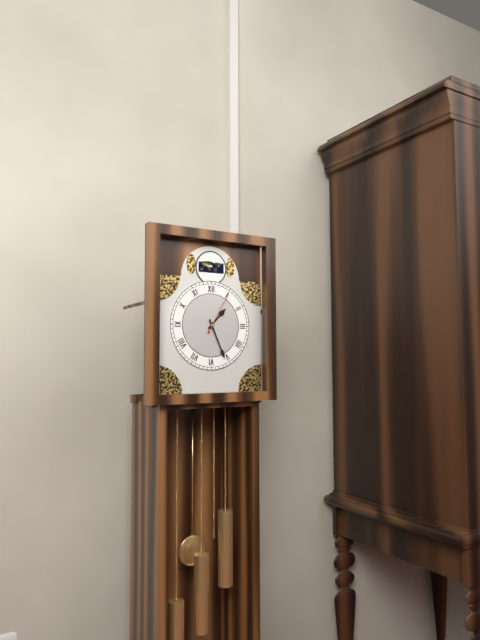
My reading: 1:26
